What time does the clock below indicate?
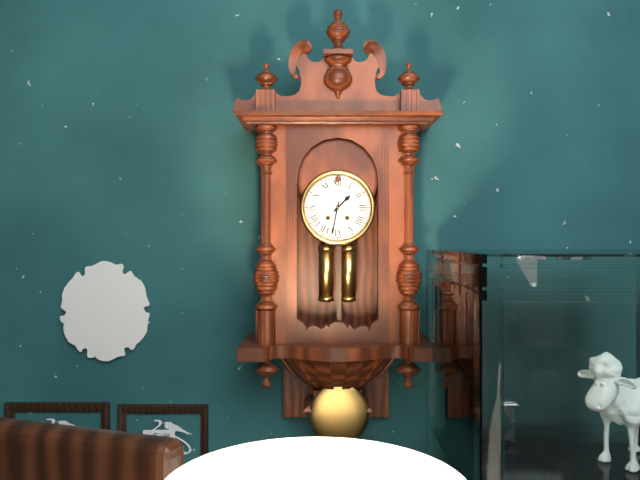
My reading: 1:32
